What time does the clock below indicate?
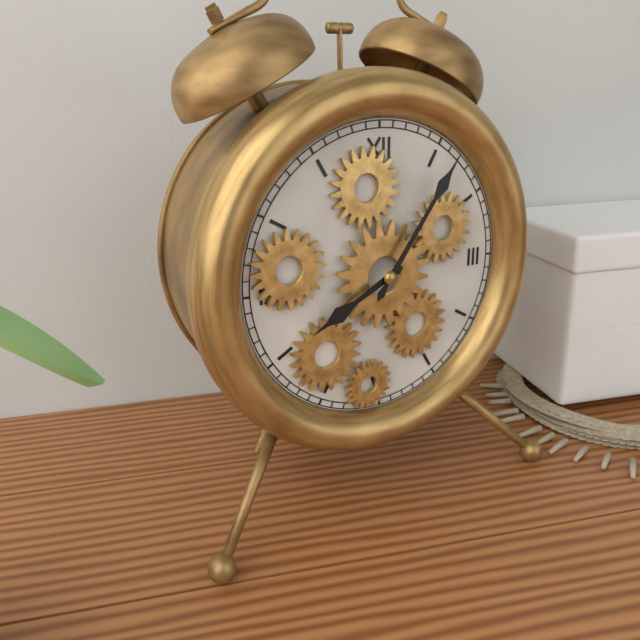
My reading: 8:06
